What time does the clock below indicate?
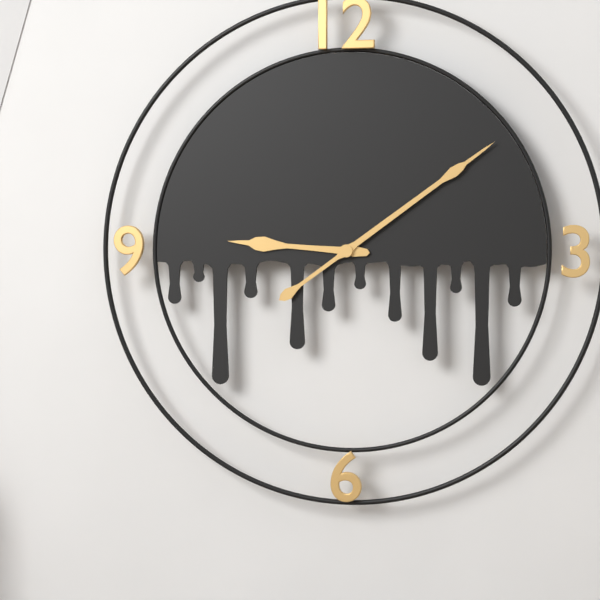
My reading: 9:09
